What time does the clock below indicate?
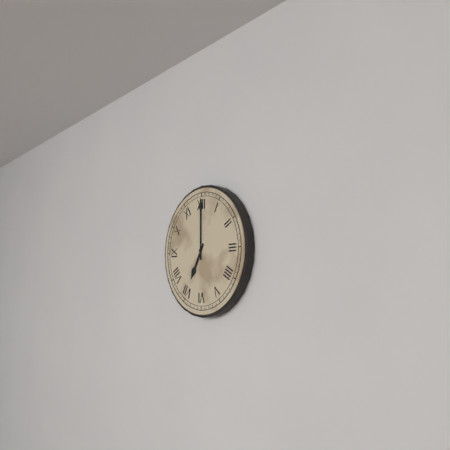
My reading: 7:00
